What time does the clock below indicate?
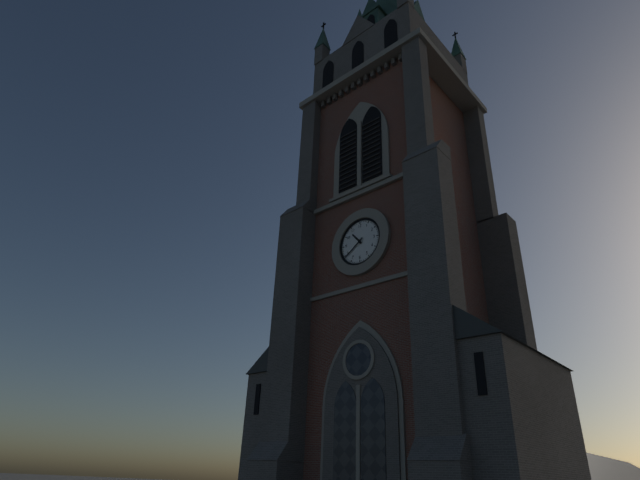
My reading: 10:39
